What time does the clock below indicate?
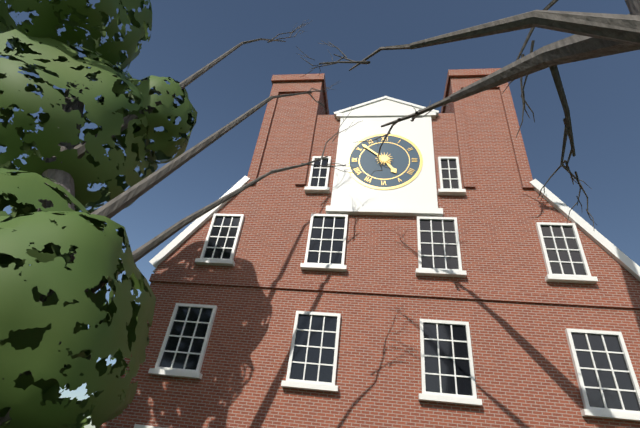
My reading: 4:52
